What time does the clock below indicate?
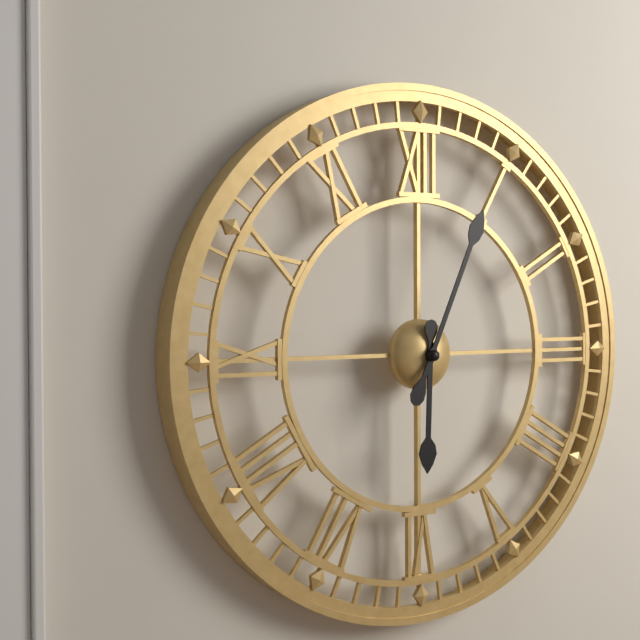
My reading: 6:04
